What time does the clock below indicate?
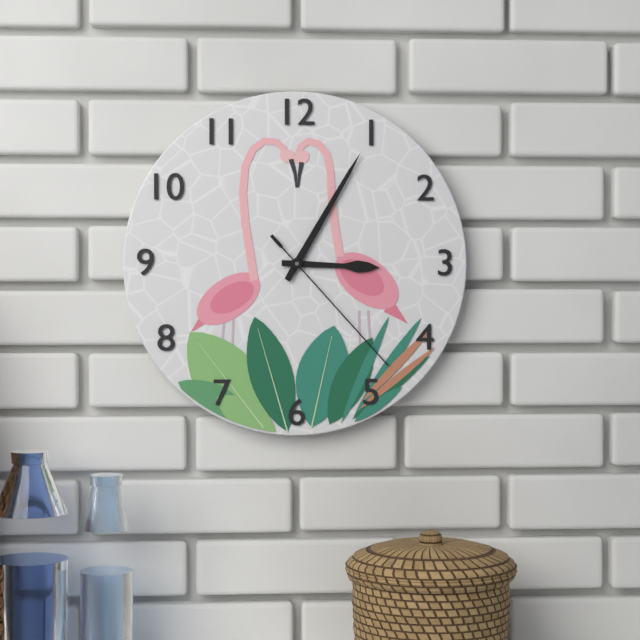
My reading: 3:05:23
